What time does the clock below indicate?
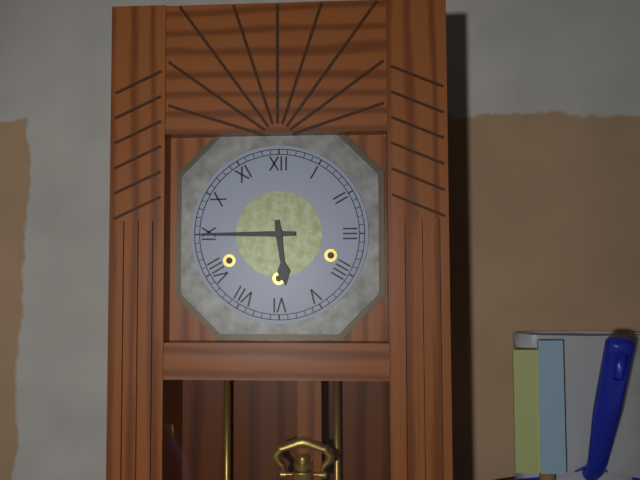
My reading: 5:45
